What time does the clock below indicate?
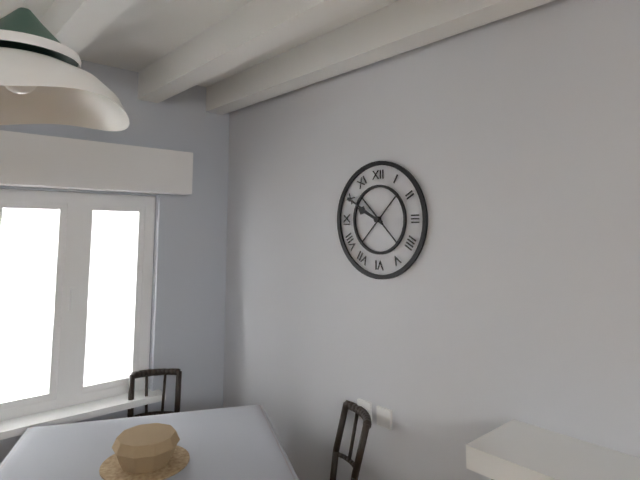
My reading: 9:50
